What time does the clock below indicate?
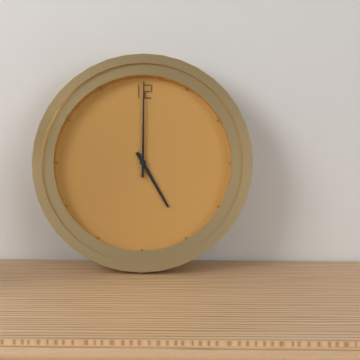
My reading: 5:00
